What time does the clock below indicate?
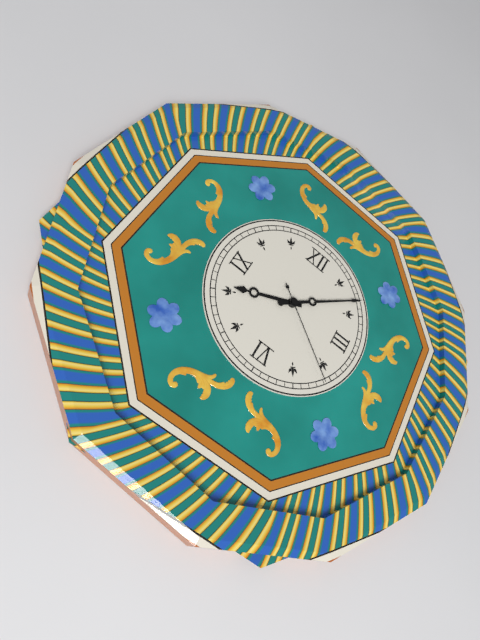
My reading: 8:08:21
